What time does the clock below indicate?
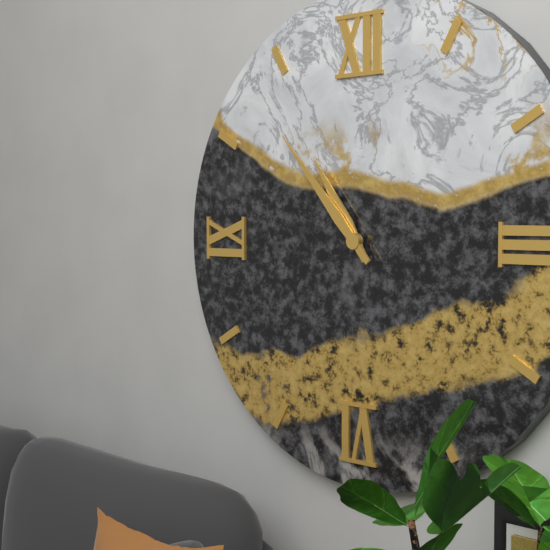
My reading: 10:53
